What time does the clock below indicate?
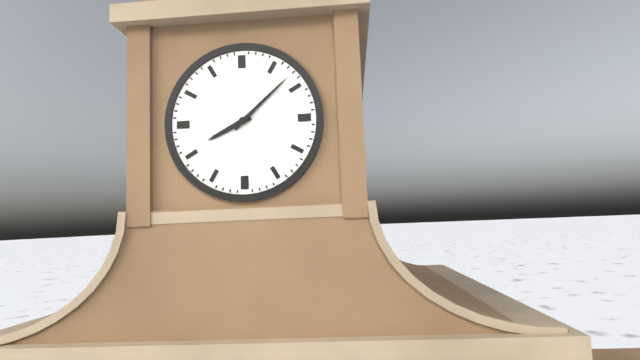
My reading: 8:08
